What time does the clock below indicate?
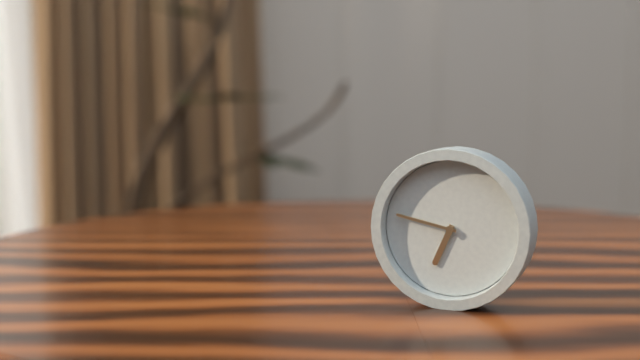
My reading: 6:47
